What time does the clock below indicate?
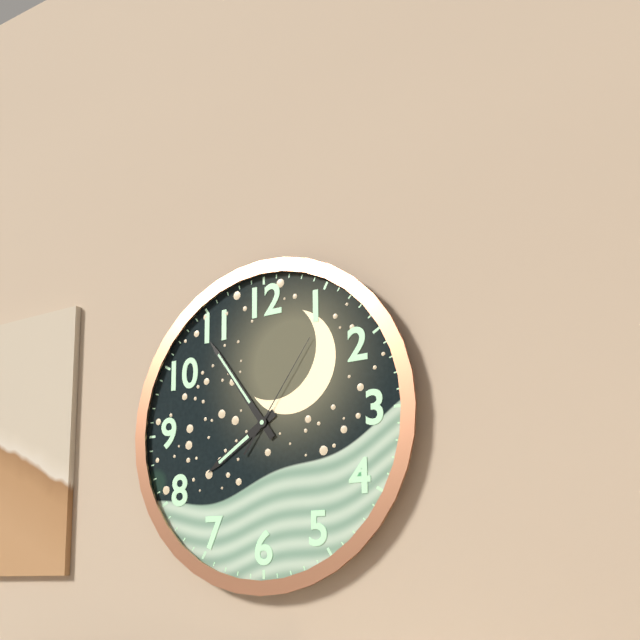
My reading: 7:54:06
